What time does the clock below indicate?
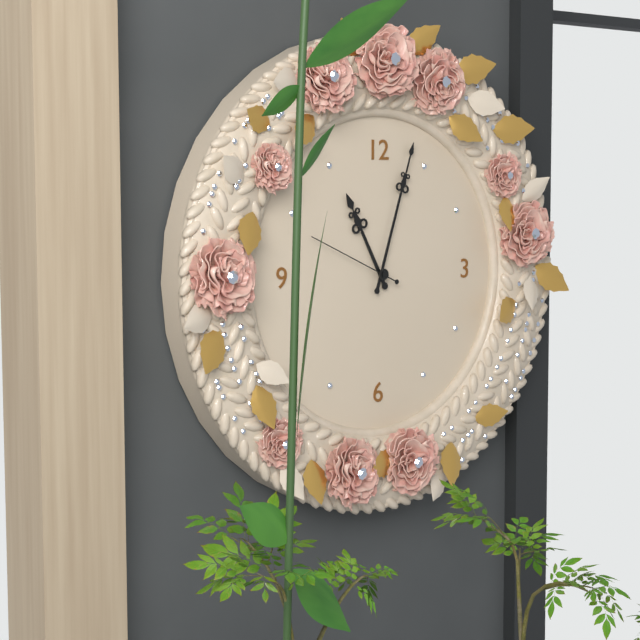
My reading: 11:03:49
